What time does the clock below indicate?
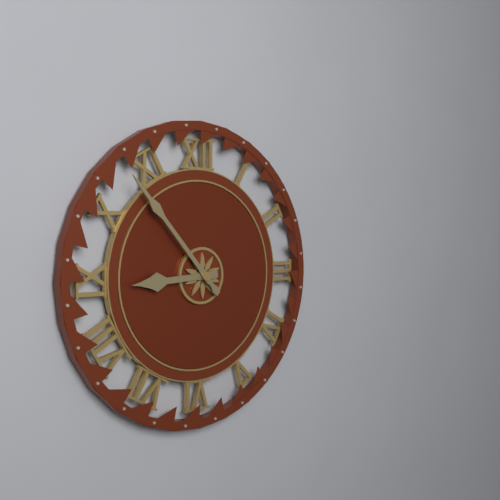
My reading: 8:53
